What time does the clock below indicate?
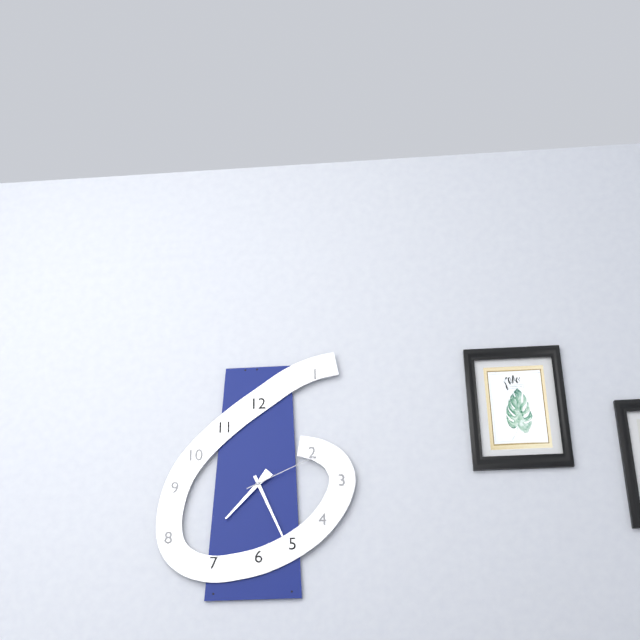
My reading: 7:26:11
